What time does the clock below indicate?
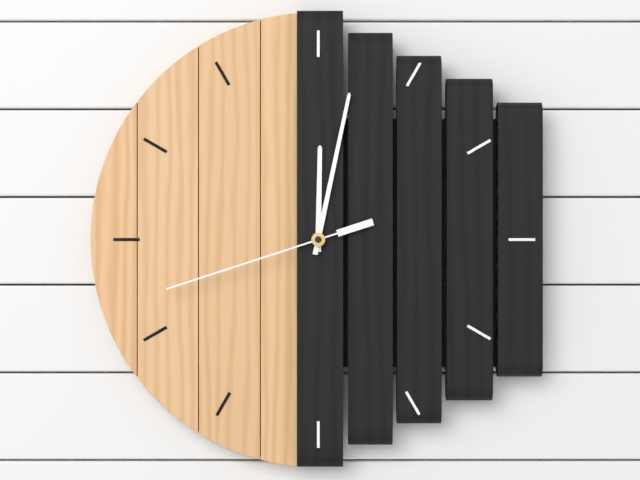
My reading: 12:02:42
